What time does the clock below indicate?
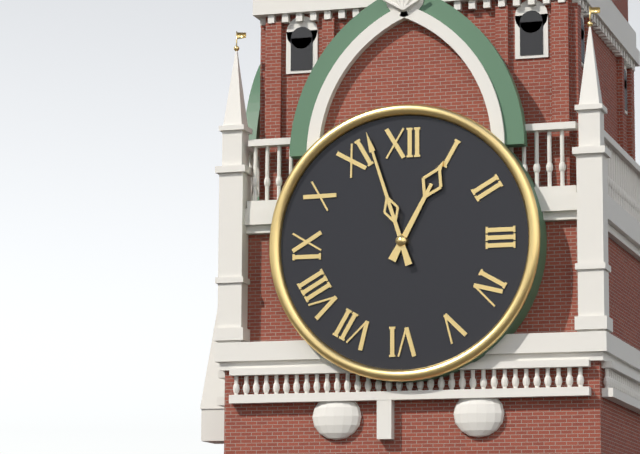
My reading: 12:57
